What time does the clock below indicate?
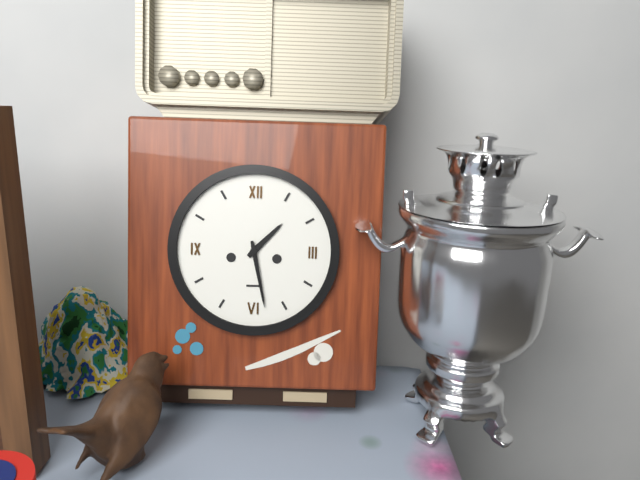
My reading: 1:28
